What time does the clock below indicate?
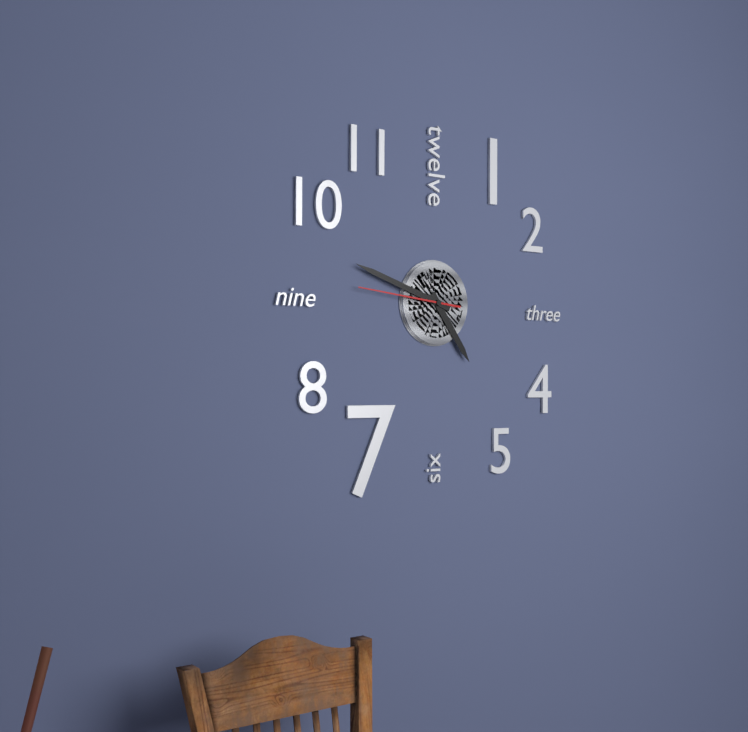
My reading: 4:48:46
